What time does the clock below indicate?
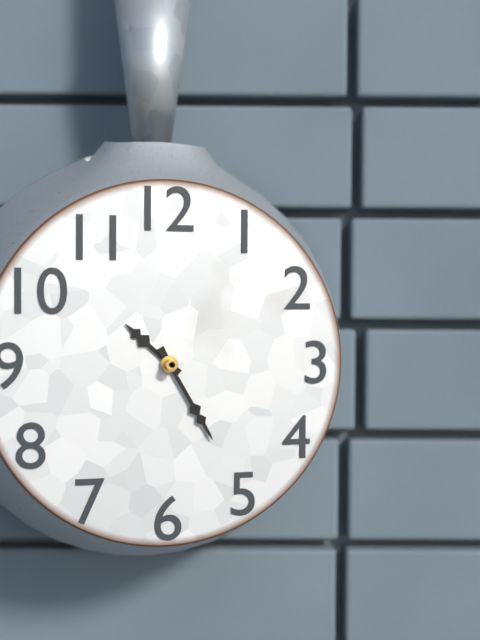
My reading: 10:25
